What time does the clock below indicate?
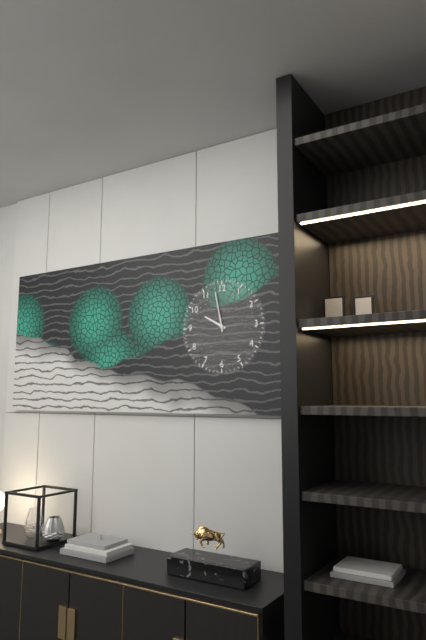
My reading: 9:58
